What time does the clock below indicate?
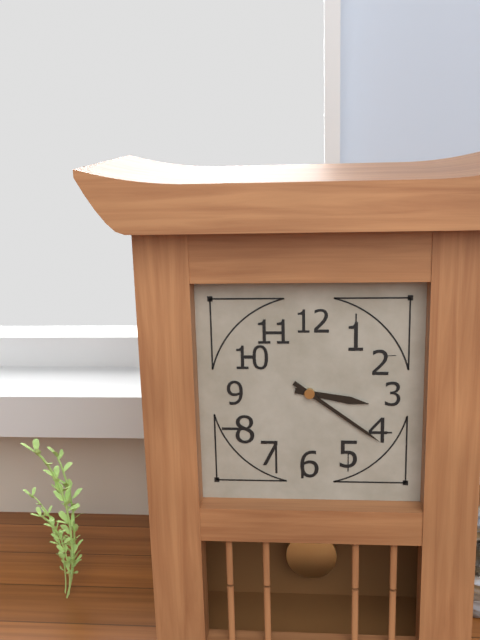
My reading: 3:21
